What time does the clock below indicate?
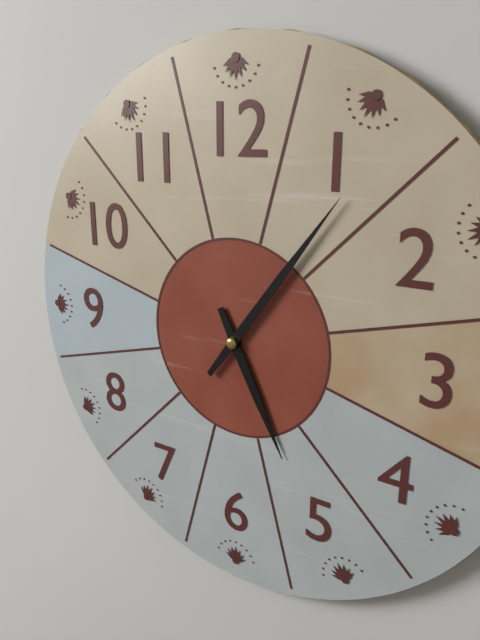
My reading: 5:06
